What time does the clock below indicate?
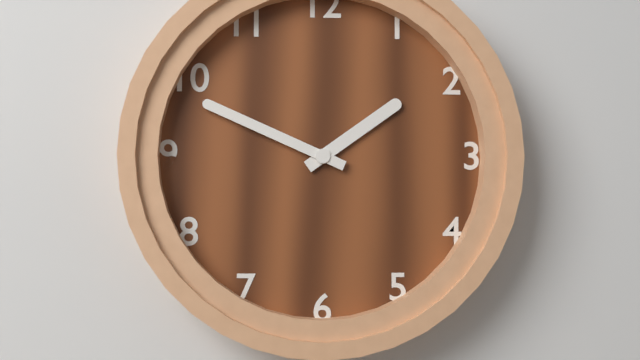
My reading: 1:49
